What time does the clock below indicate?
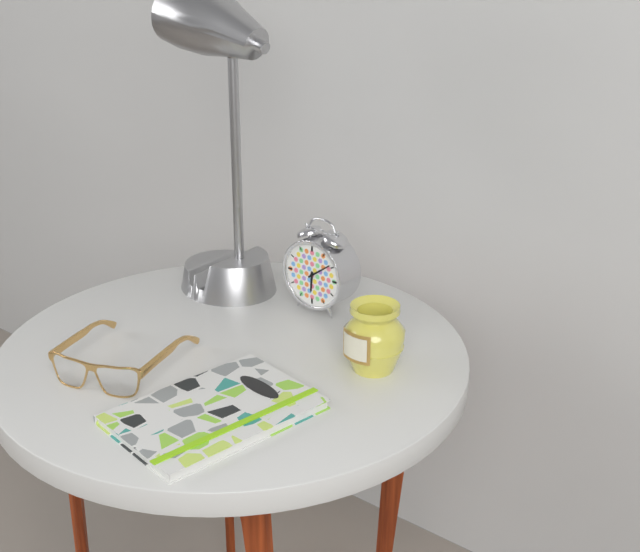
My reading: 6:09
